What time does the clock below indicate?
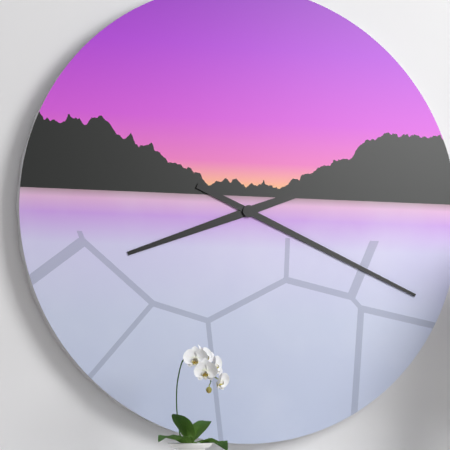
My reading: 8:19
